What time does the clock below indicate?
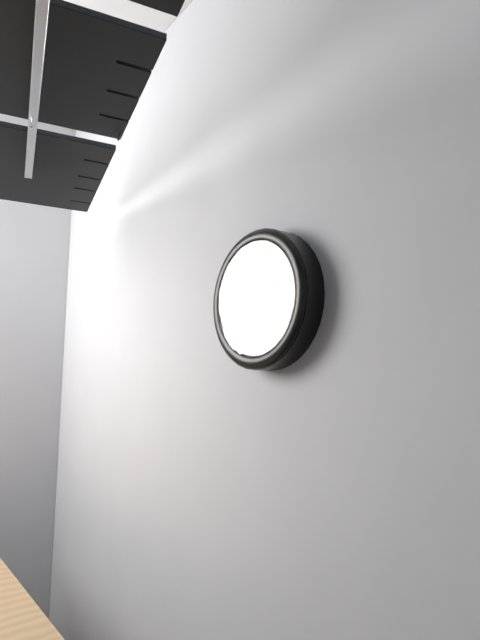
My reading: 2:18
